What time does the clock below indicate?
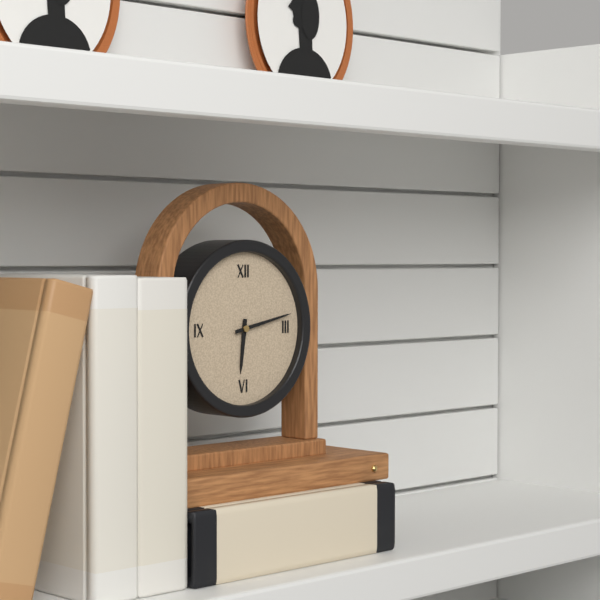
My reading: 6:13
